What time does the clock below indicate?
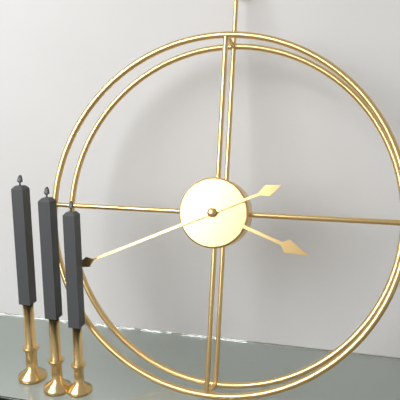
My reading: 3:41
